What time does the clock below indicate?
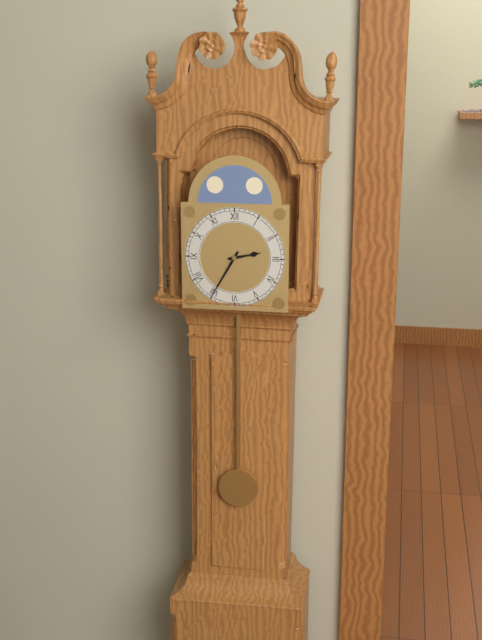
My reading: 2:35
